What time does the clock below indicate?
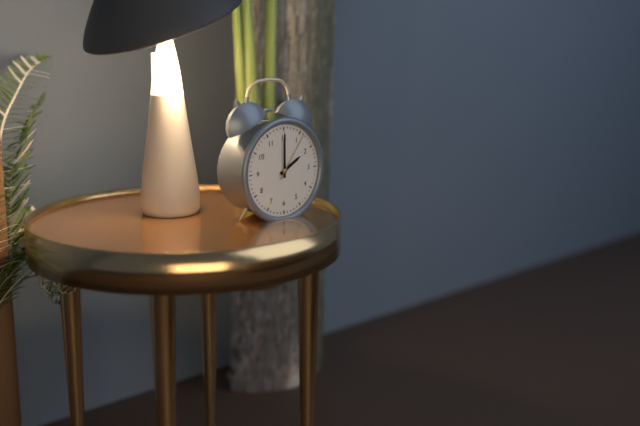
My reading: 2:00:06
